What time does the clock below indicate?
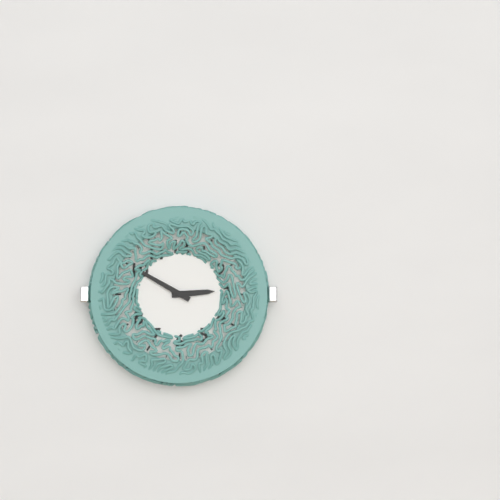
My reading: 2:50
